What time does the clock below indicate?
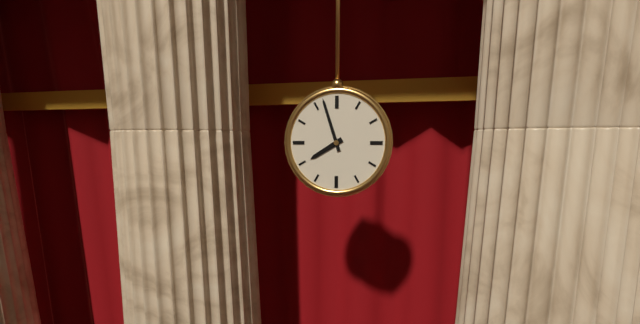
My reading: 7:57
